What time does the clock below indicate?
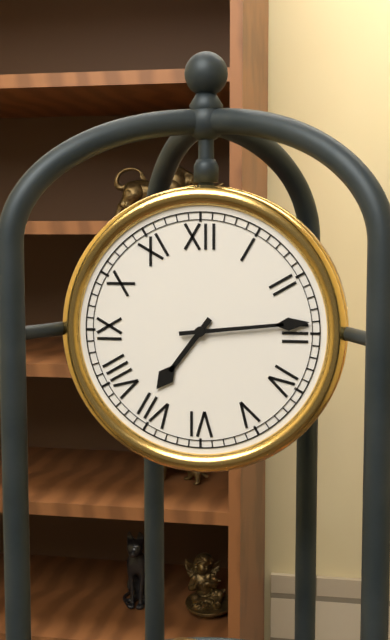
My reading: 7:14
